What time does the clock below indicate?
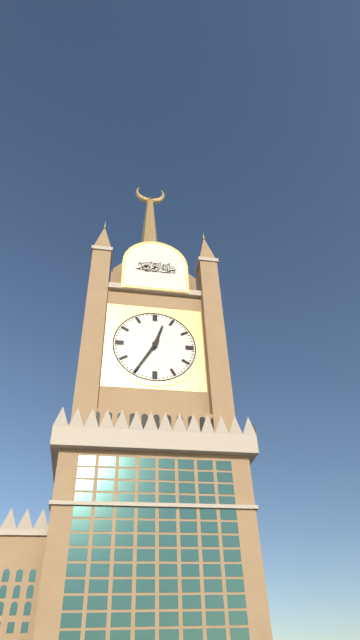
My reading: 12:35
